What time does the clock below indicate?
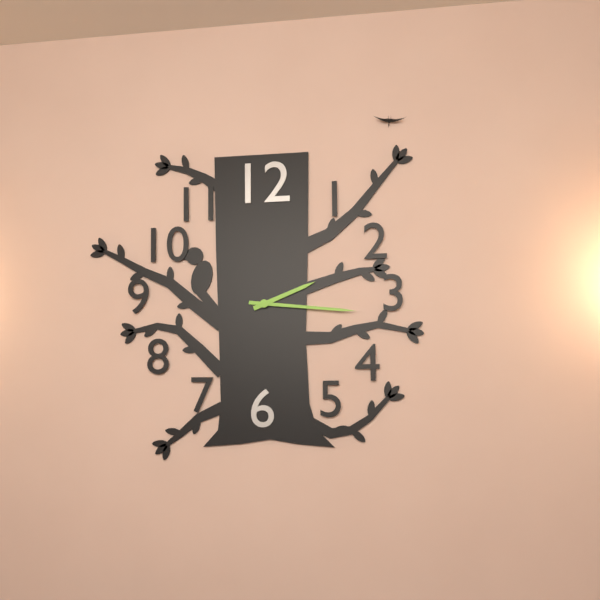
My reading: 2:16
